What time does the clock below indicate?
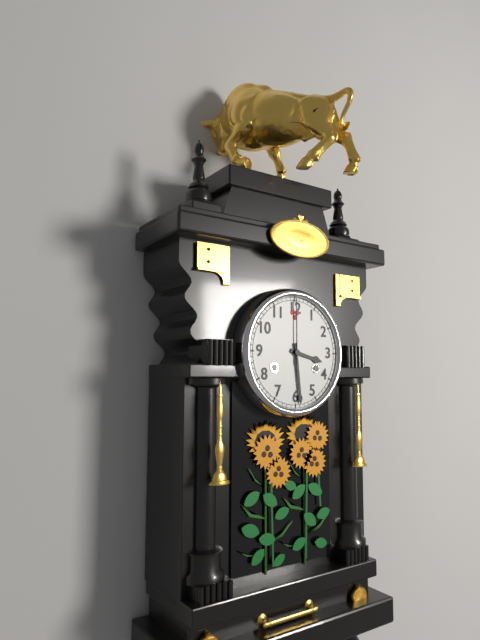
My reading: 3:29:00
